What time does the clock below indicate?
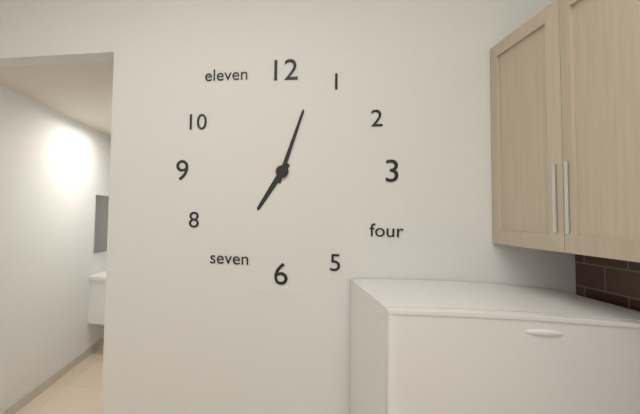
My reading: 7:03
